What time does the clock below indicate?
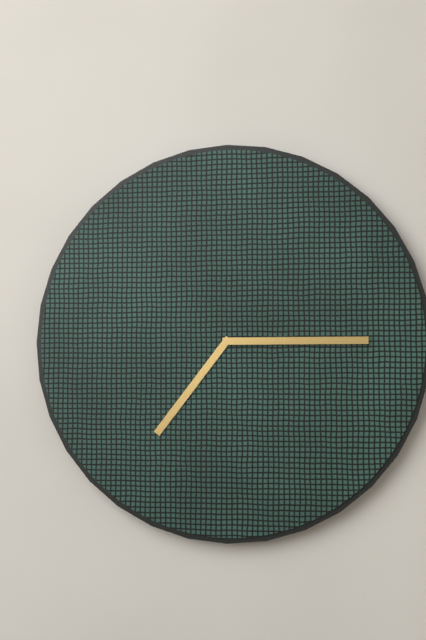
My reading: 7:15
